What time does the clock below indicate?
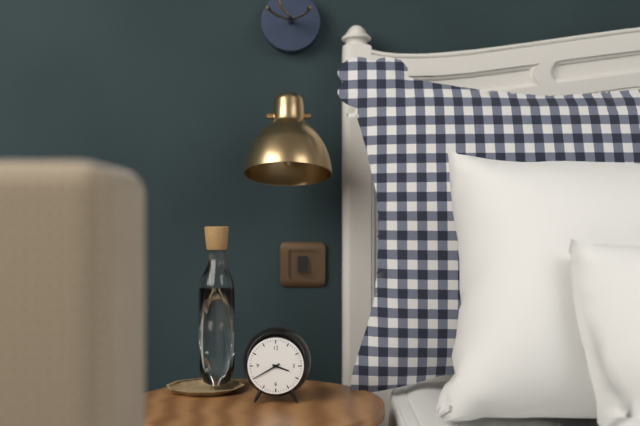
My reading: 3:40
